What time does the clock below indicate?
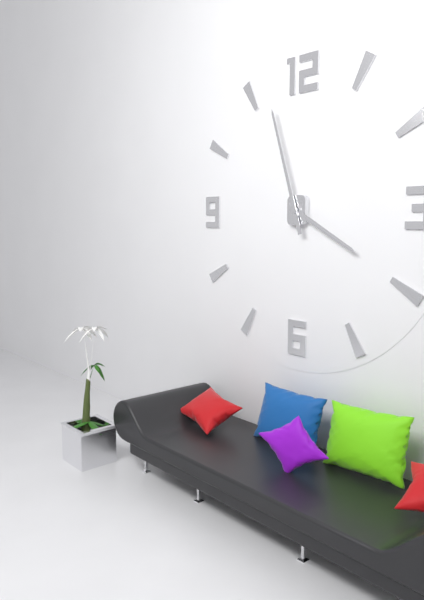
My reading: 3:57
